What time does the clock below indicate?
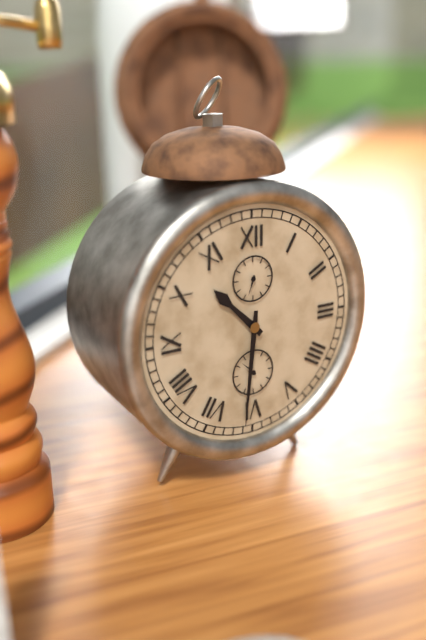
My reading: 10:31
